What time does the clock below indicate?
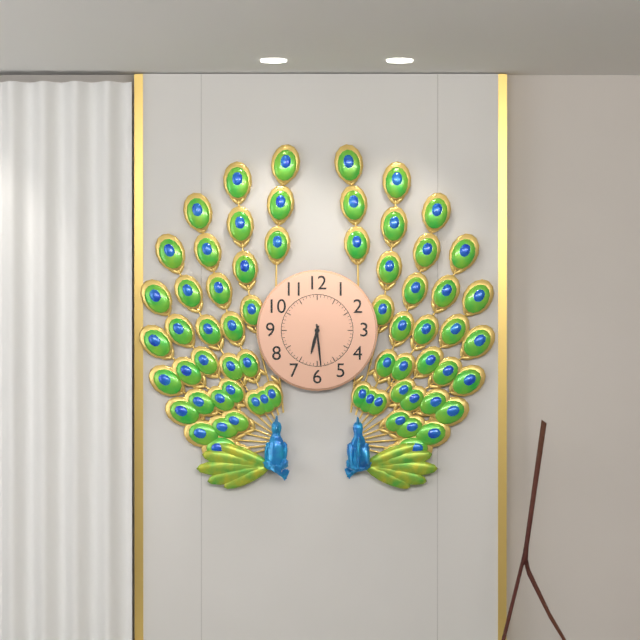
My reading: 6:29
